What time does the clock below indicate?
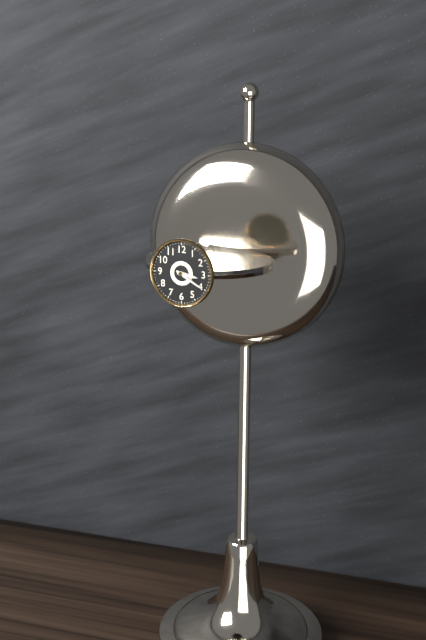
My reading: 3:20
